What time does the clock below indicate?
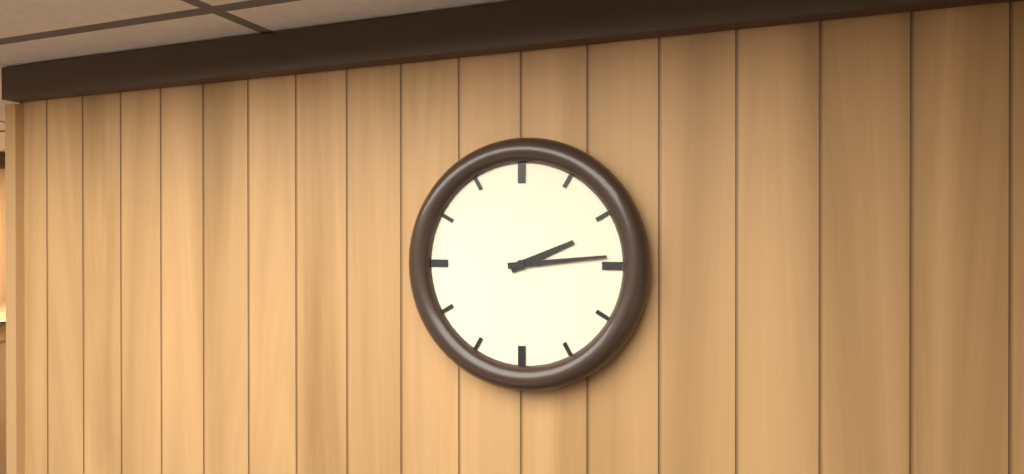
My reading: 2:14
